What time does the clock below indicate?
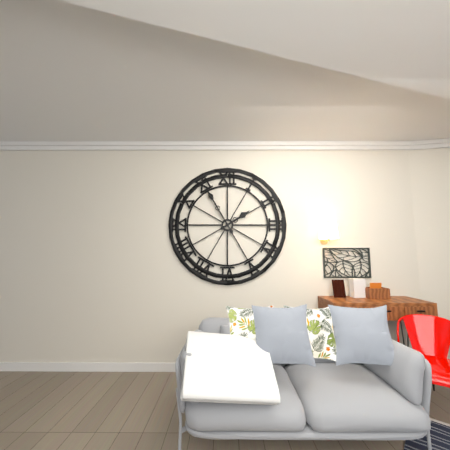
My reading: 1:55
